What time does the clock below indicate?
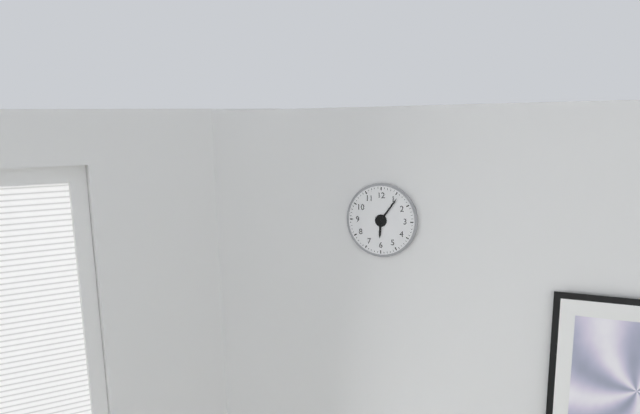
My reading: 6:06
